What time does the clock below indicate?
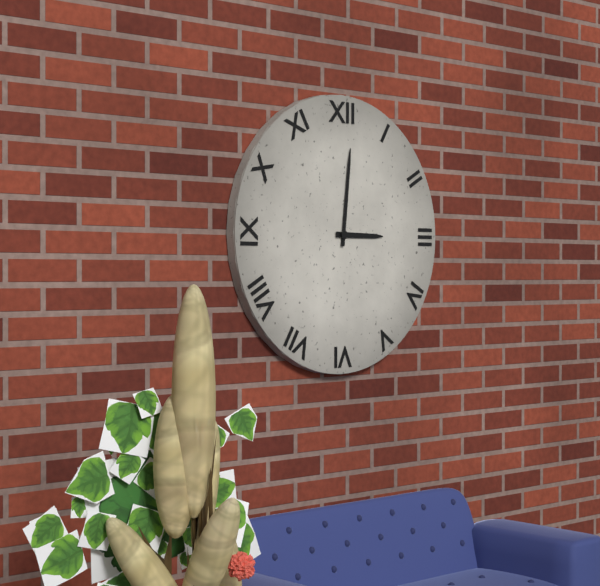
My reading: 3:01
